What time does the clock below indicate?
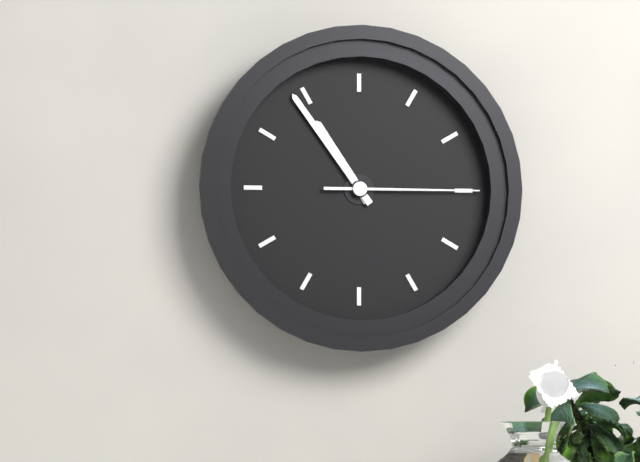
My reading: 10:54:15
